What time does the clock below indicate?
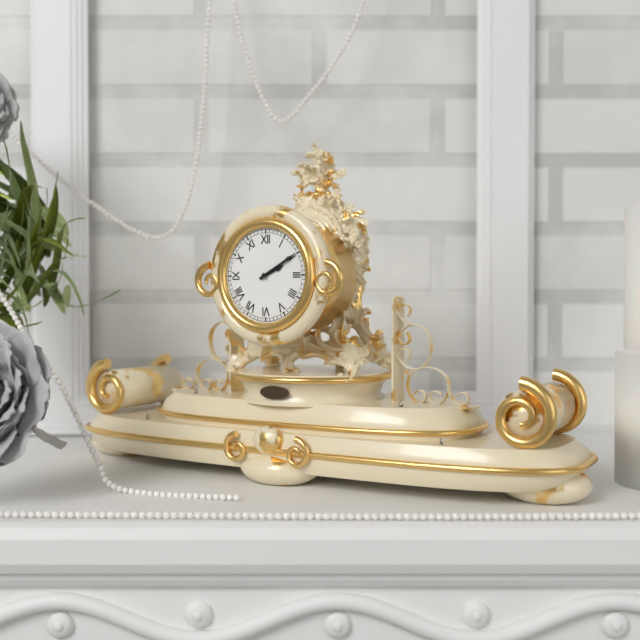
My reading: 2:10
